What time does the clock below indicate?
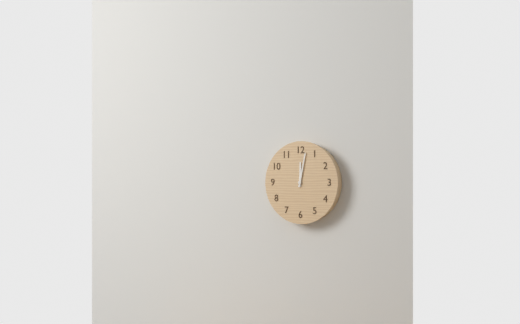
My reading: 12:02
